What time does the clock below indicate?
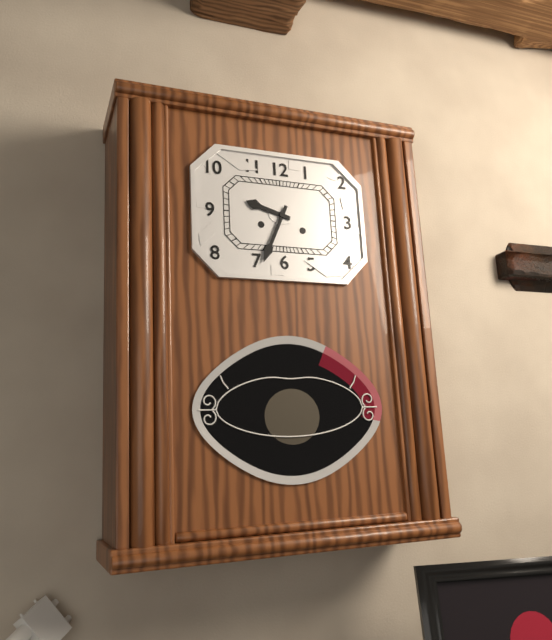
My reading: 9:34
